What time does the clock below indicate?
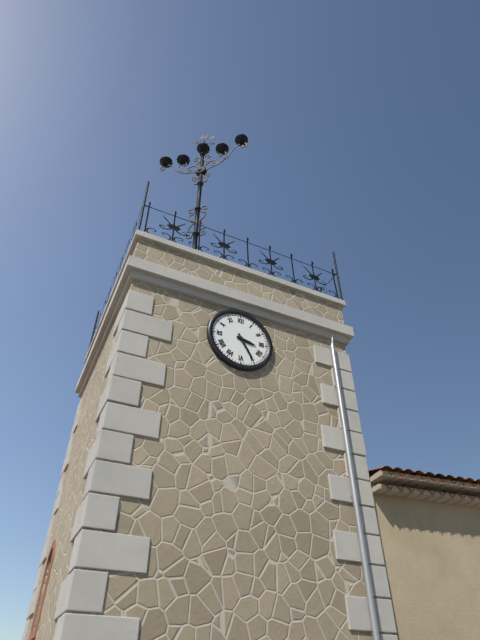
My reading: 3:25
